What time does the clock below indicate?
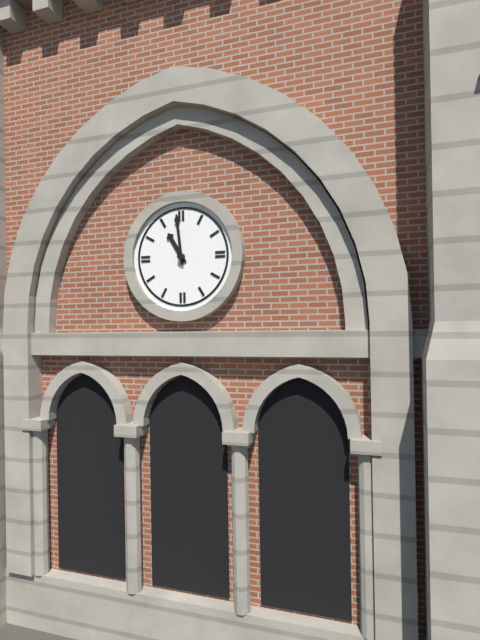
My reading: 10:59
